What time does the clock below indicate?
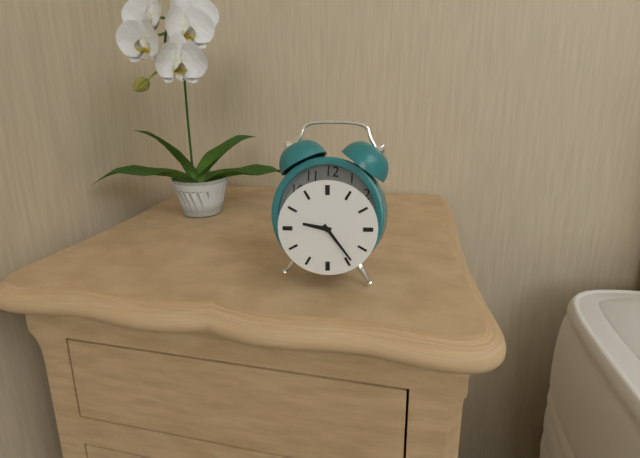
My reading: 9:24
